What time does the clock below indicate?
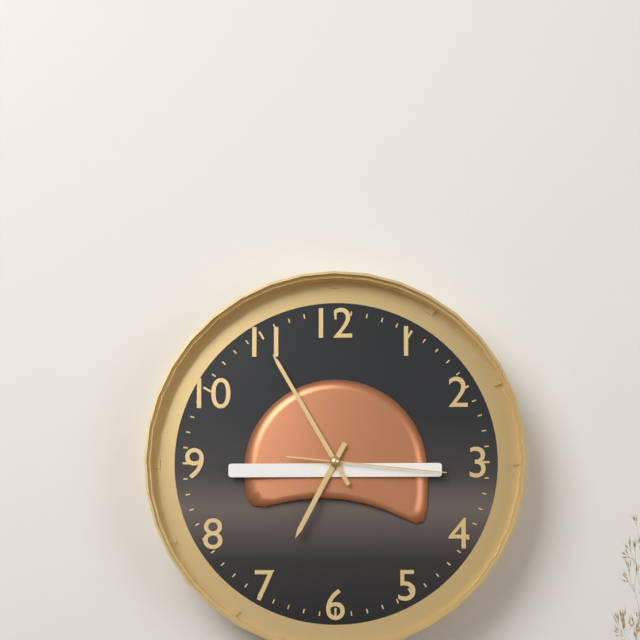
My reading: 6:55:16
